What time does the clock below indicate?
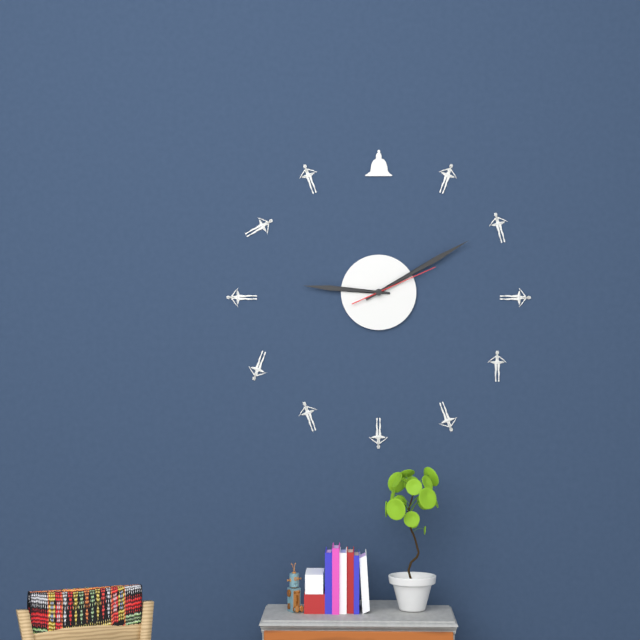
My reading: 9:10:11
